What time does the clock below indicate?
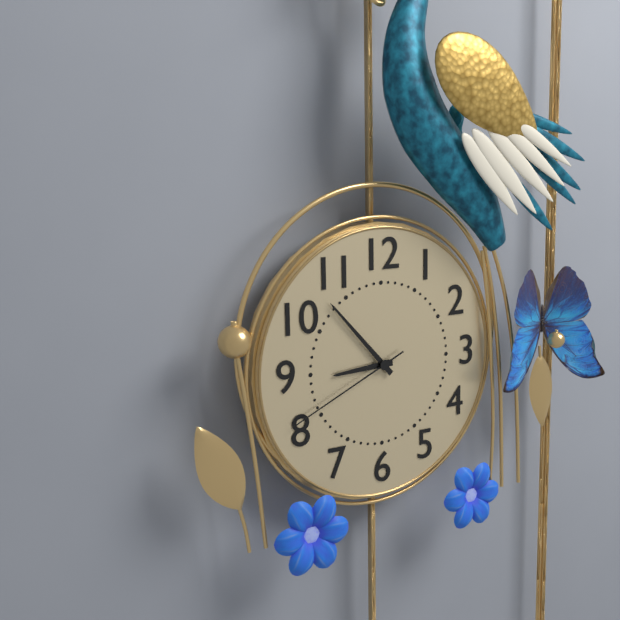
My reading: 8:53:41
